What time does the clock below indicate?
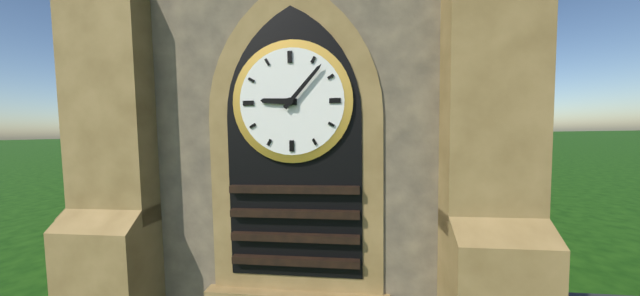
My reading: 9:07
